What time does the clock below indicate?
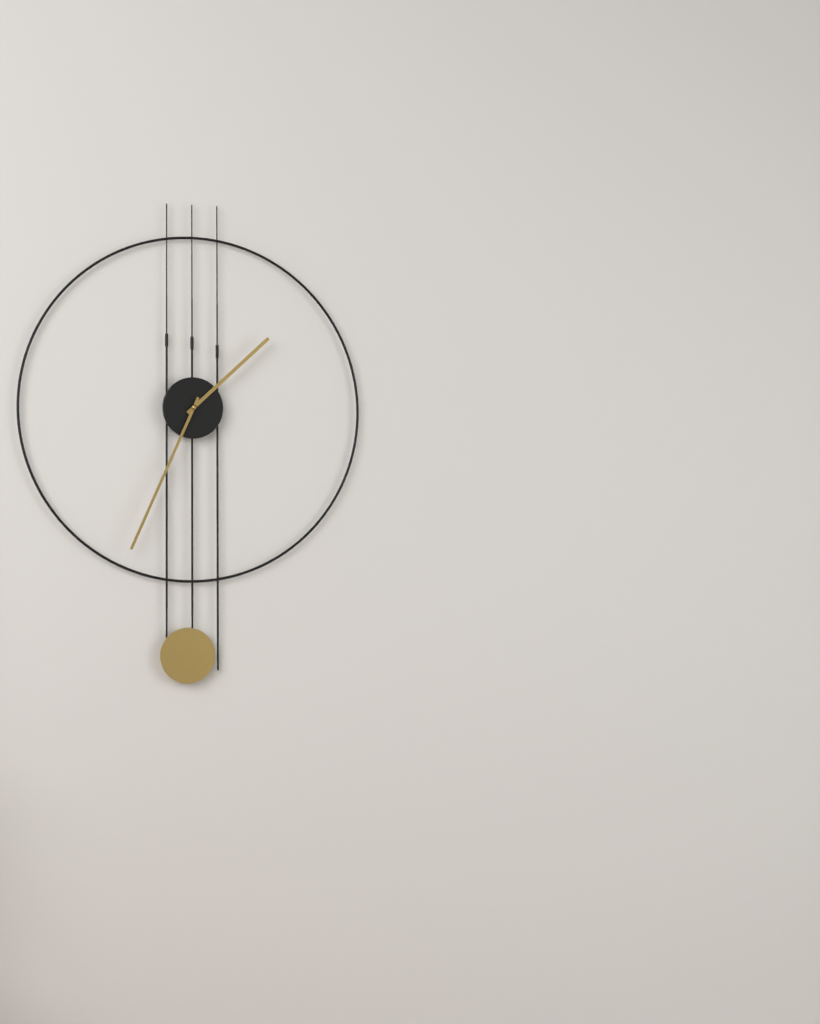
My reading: 1:34
